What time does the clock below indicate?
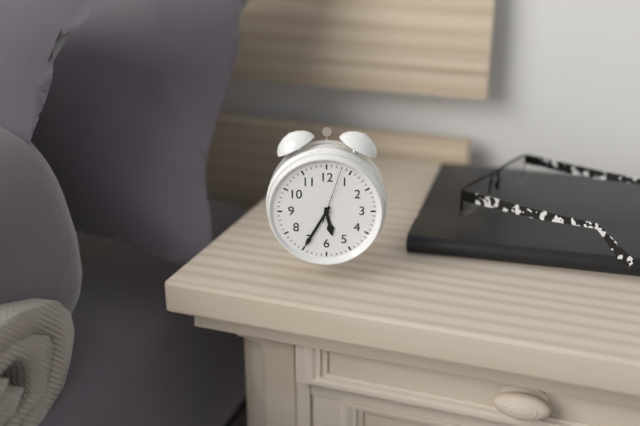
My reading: 5:35:03
